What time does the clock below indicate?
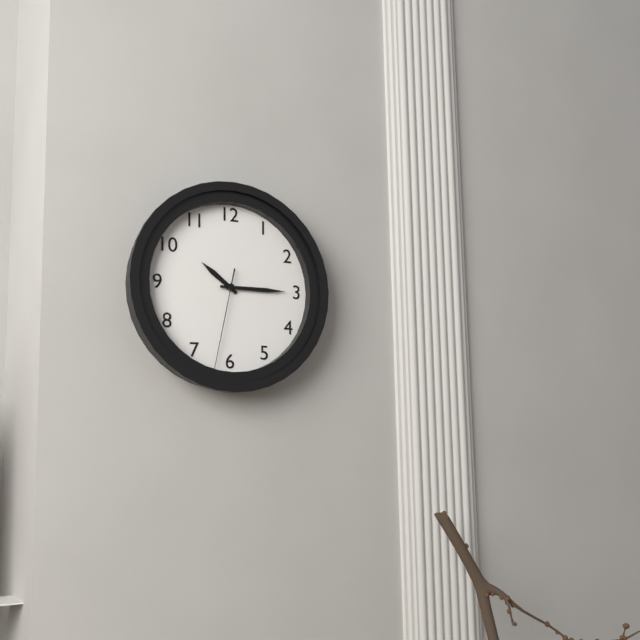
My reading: 10:15:32
